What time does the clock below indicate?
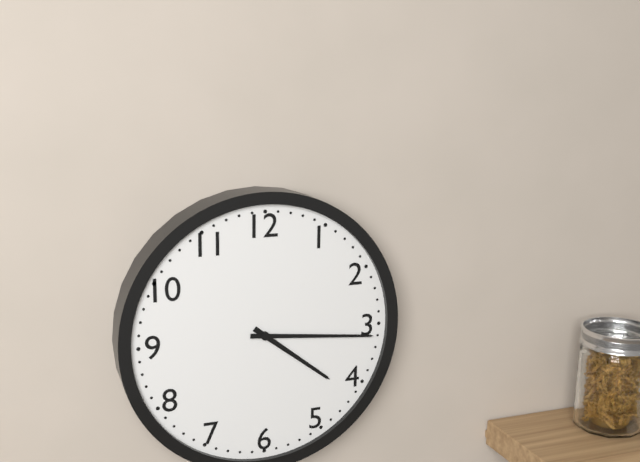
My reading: 4:16
